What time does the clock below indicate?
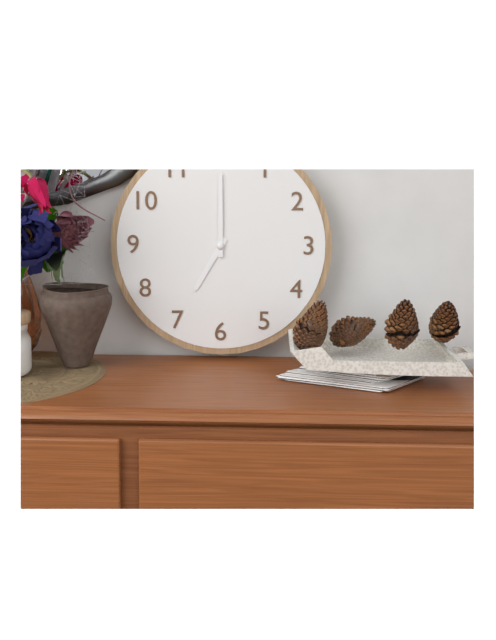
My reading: 7:00
